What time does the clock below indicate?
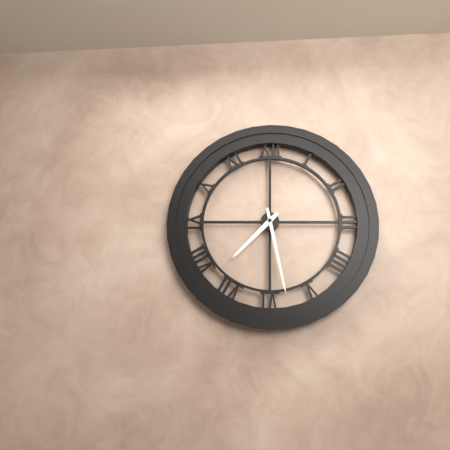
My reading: 7:28
